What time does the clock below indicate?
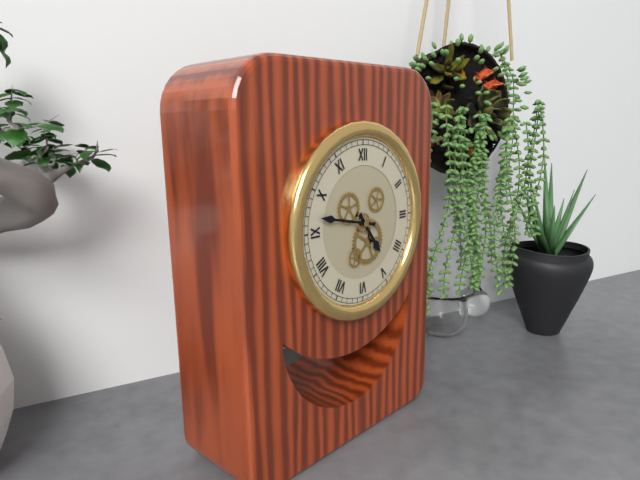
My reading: 4:47
